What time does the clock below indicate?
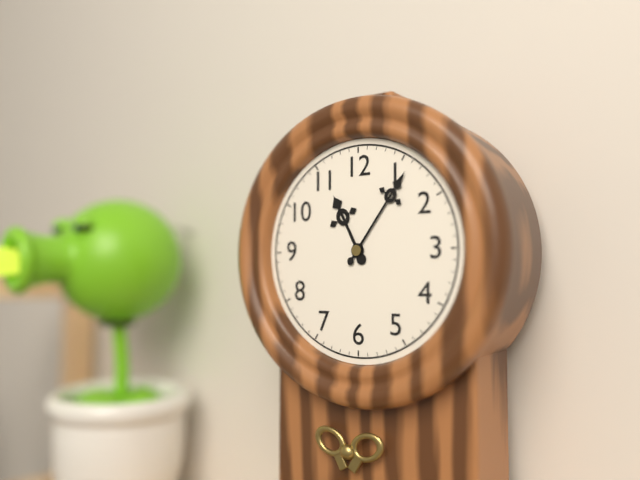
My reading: 11:06
